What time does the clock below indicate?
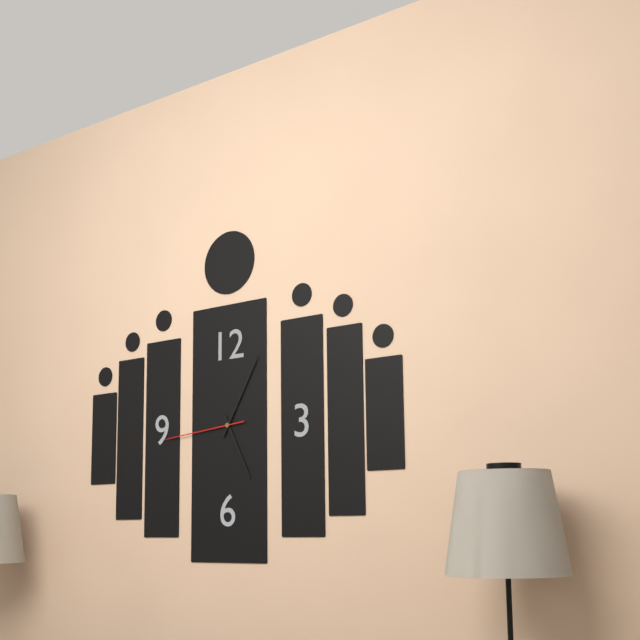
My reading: 5:05:44
